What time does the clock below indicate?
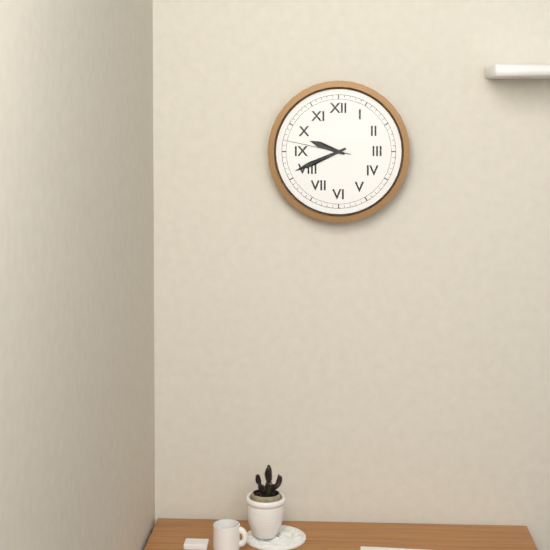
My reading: 9:41:47
